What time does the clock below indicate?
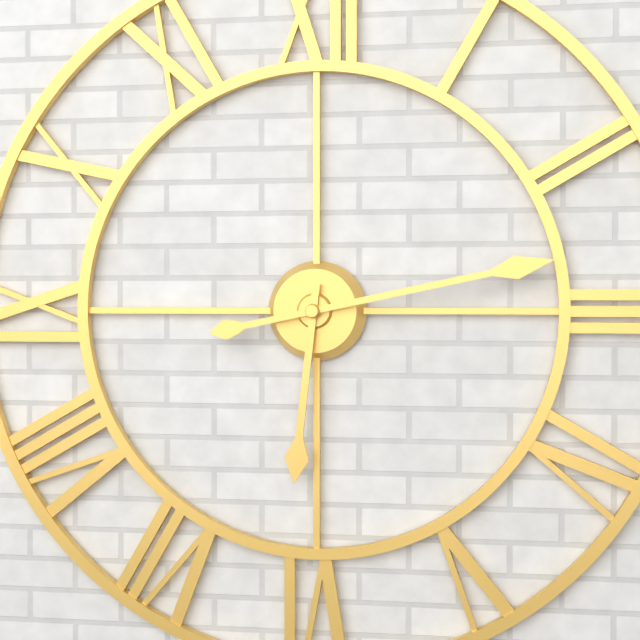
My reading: 6:13
